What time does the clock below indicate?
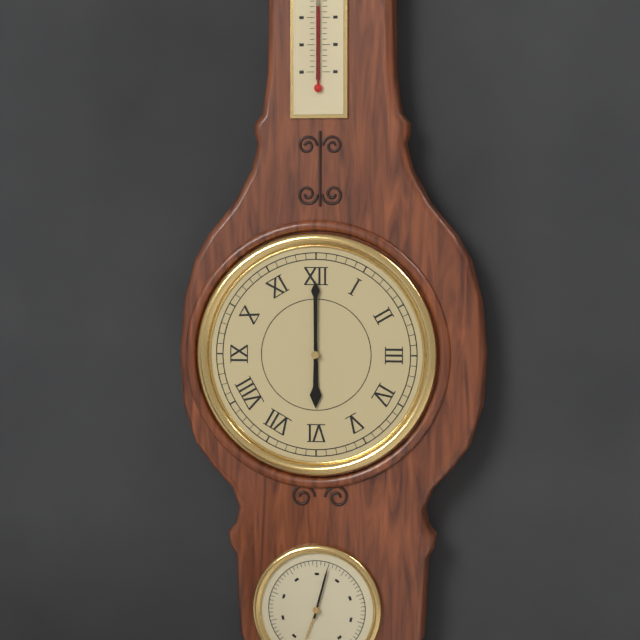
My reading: 6:00
